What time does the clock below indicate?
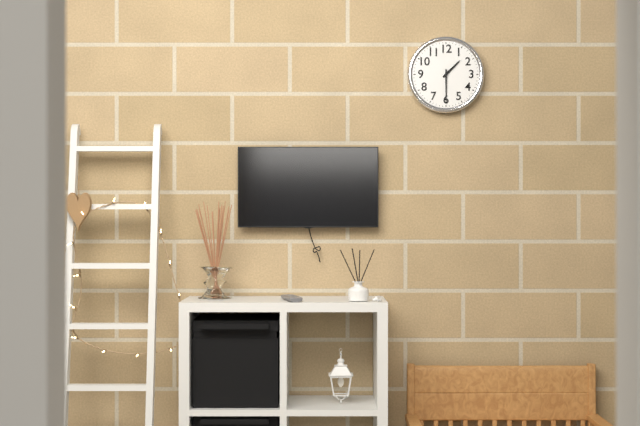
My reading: 1:30
